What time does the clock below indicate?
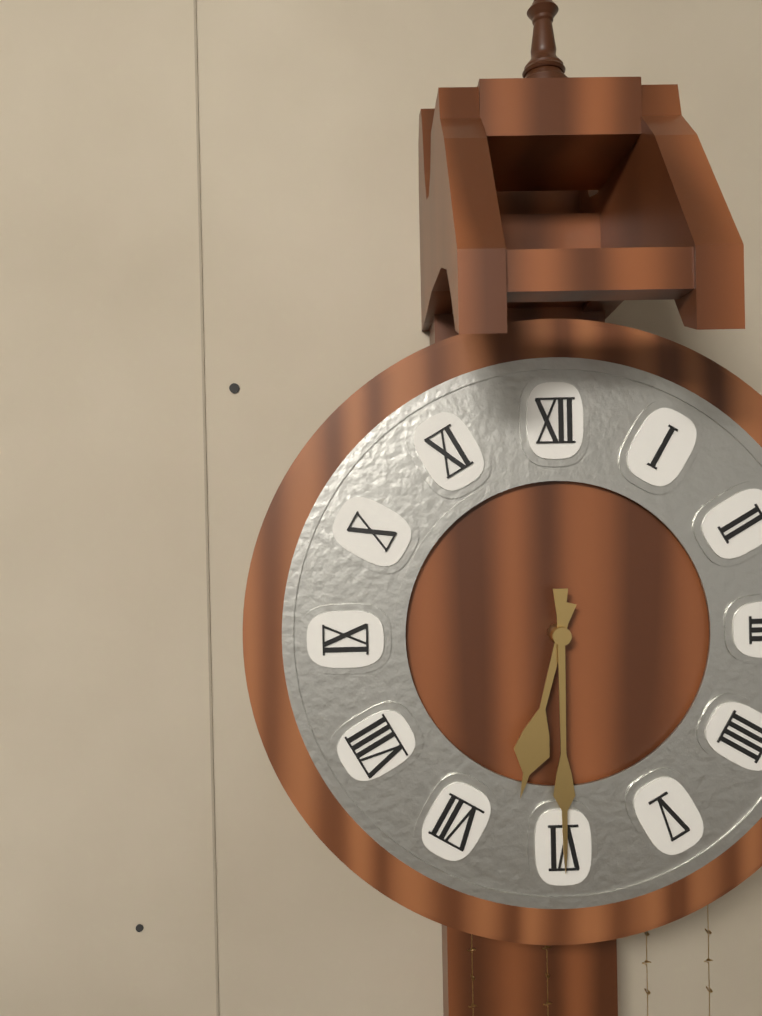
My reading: 6:30
